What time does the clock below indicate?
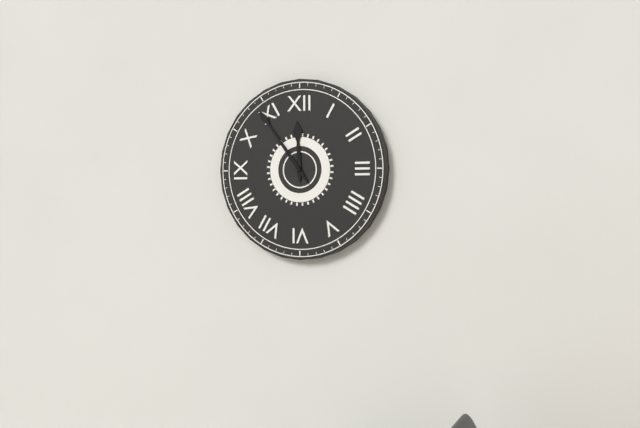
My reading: 11:54
